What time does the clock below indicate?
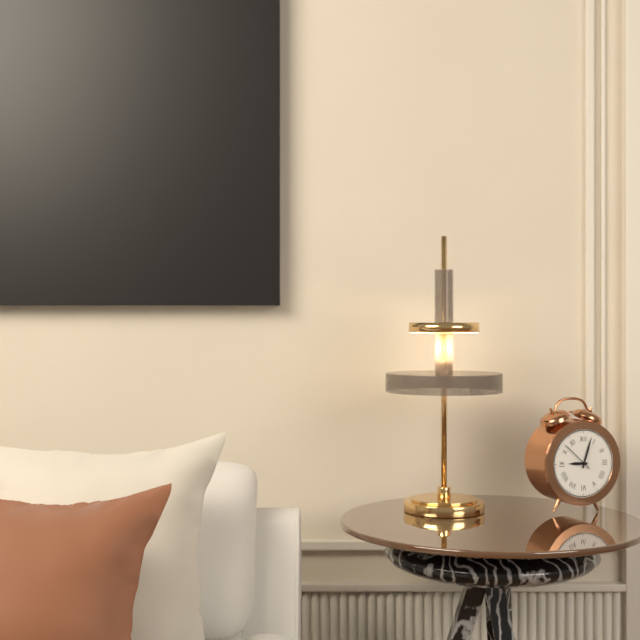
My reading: 9:03
